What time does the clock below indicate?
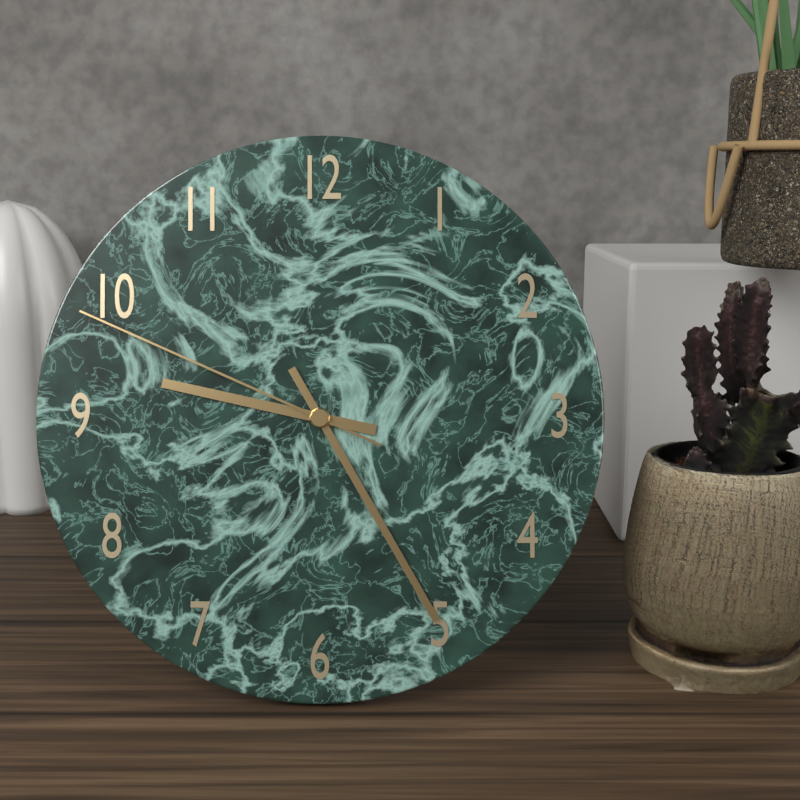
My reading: 9:25:49
